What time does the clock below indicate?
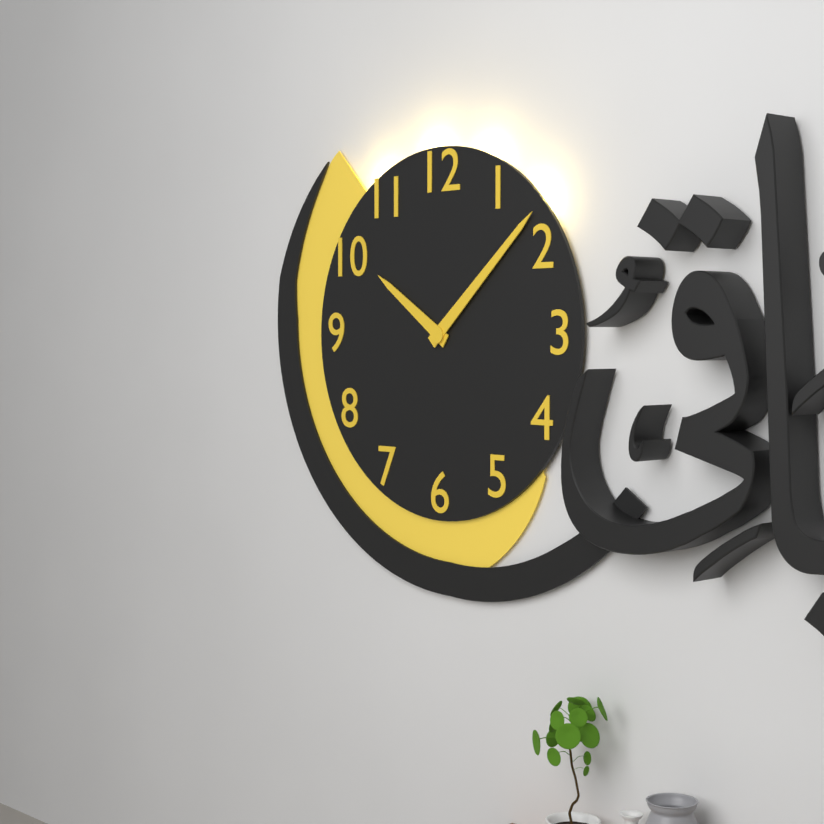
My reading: 10:08
